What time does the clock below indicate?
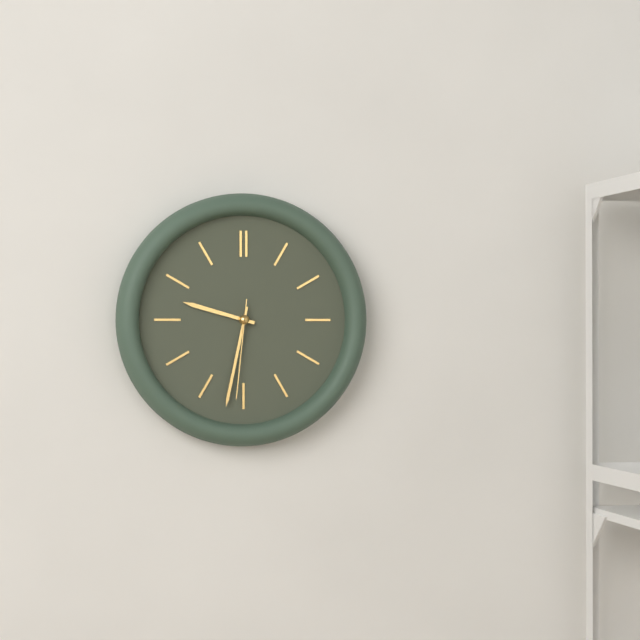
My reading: 9:32:31
